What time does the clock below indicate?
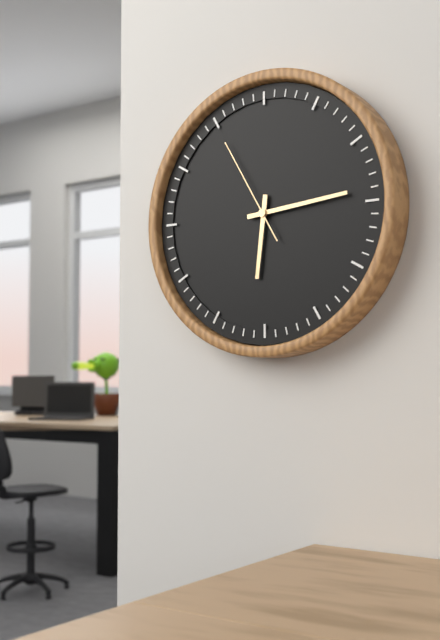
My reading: 6:14:55
